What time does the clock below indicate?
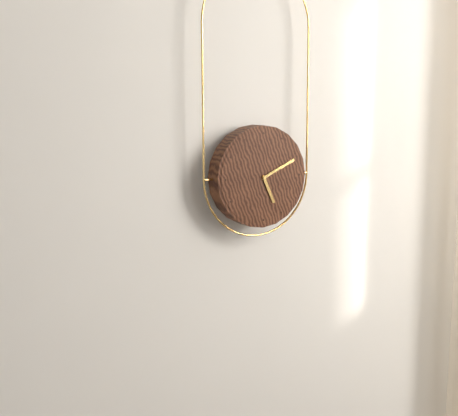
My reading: 5:11
